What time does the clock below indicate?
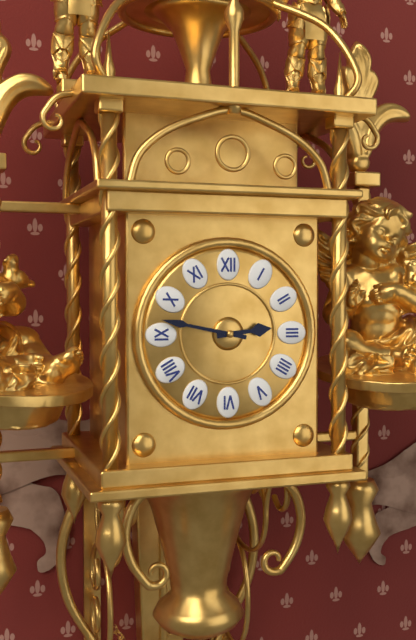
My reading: 2:47
